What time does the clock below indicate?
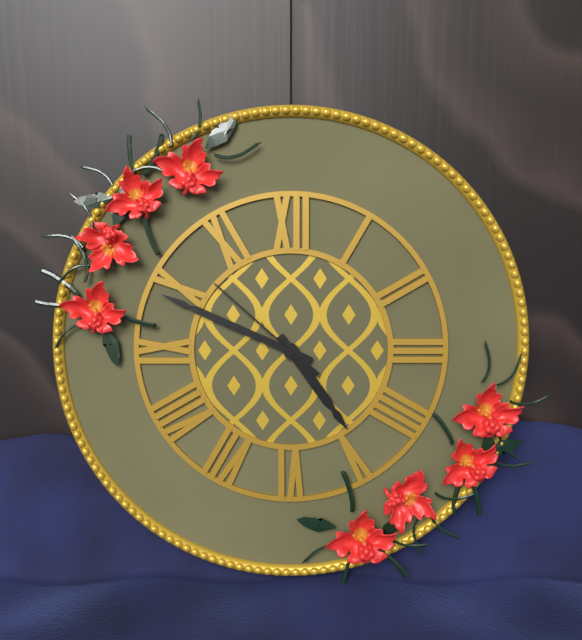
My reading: 4:49:52
